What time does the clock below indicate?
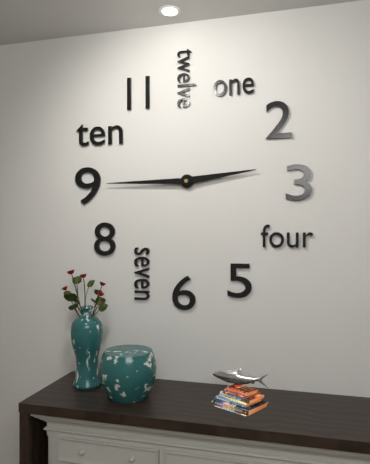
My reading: 2:45
